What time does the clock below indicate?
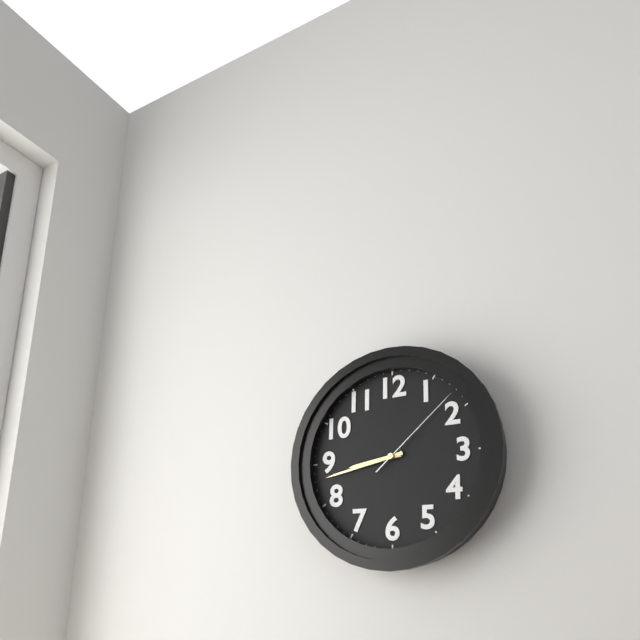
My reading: 8:43:08
